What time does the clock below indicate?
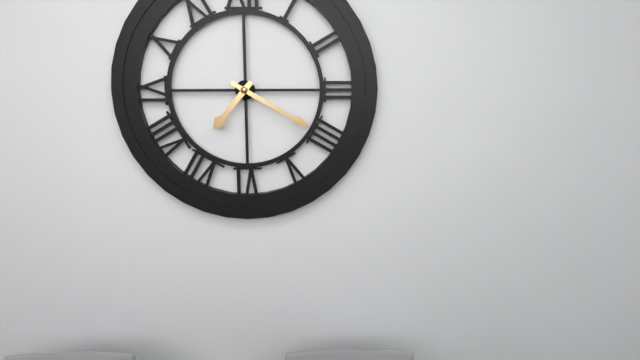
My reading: 7:20
